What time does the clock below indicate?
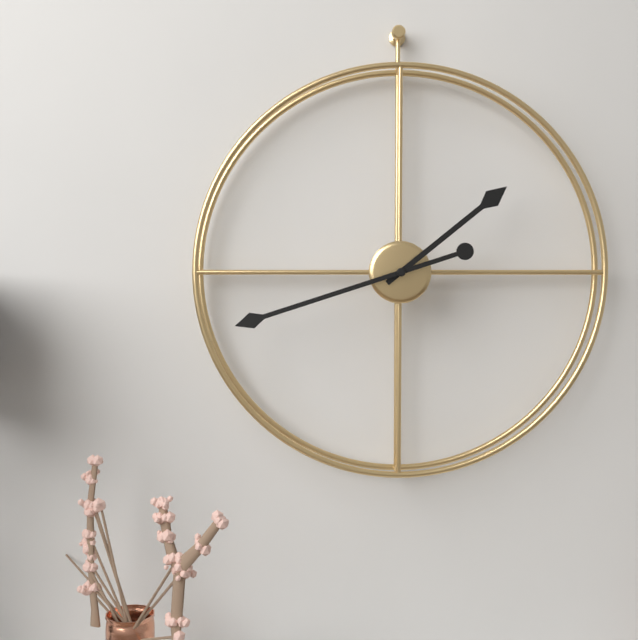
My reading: 1:42
